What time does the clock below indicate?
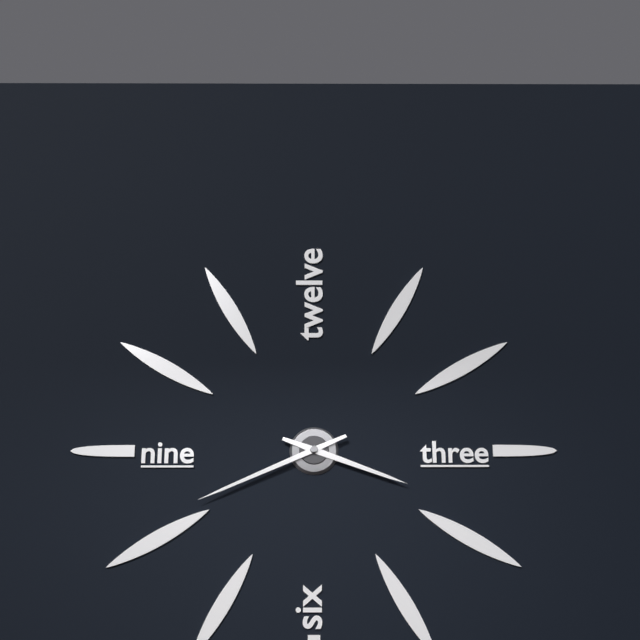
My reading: 3:41
